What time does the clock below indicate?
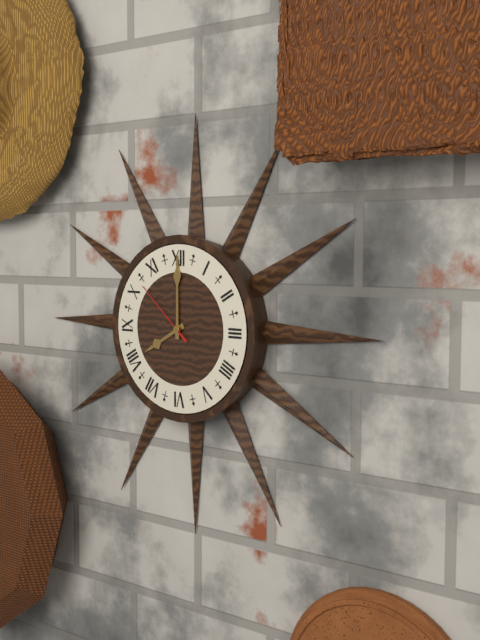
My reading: 8:00:52
